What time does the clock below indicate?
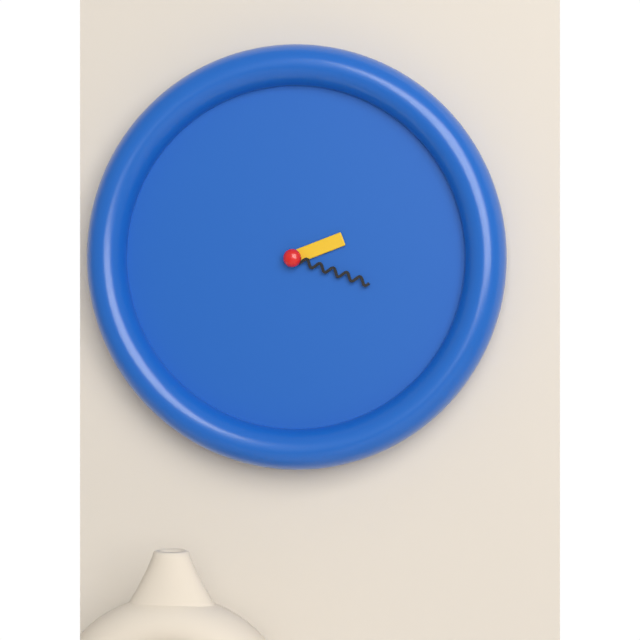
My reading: 2:18
